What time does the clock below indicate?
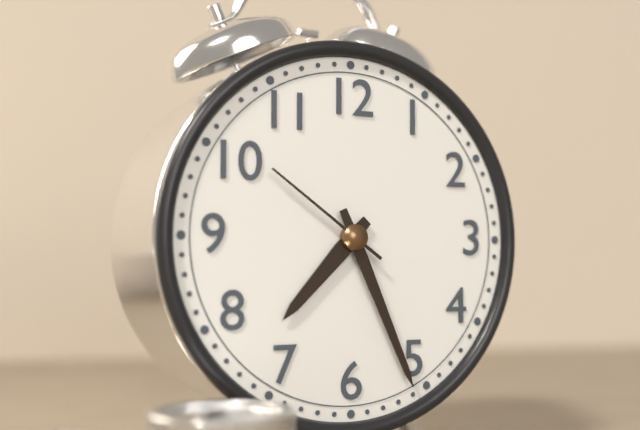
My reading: 7:26:51
